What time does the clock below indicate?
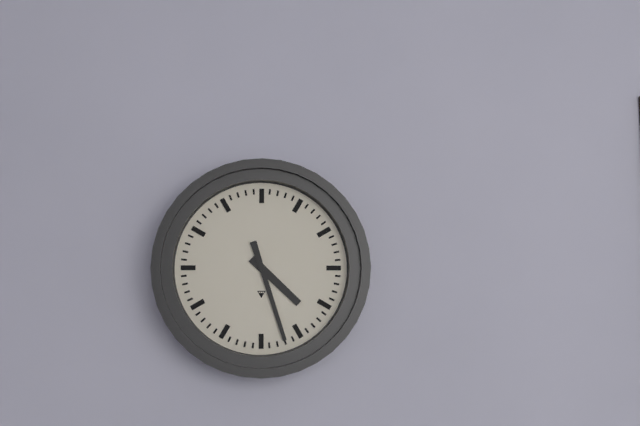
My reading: 4:27
